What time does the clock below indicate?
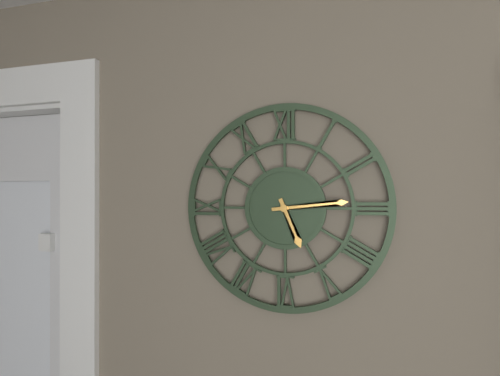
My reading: 5:14
